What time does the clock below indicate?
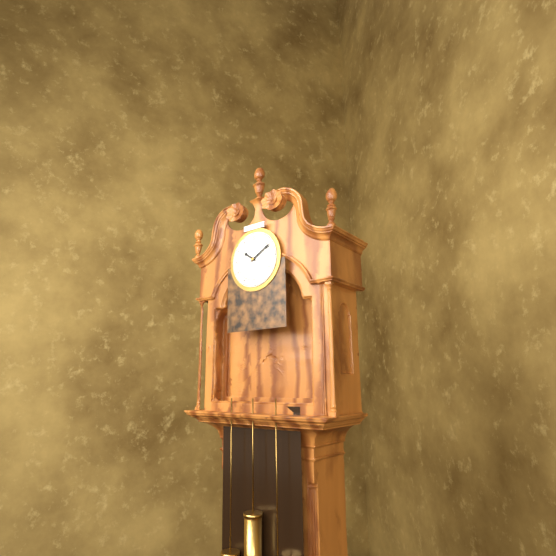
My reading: 10:10
